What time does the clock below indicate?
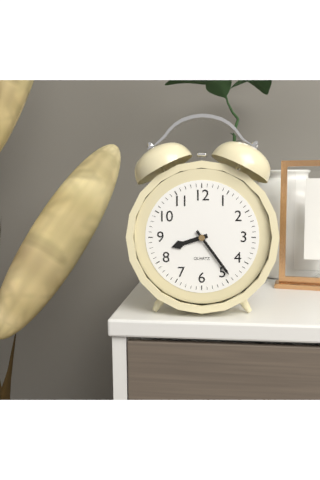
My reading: 8:24
